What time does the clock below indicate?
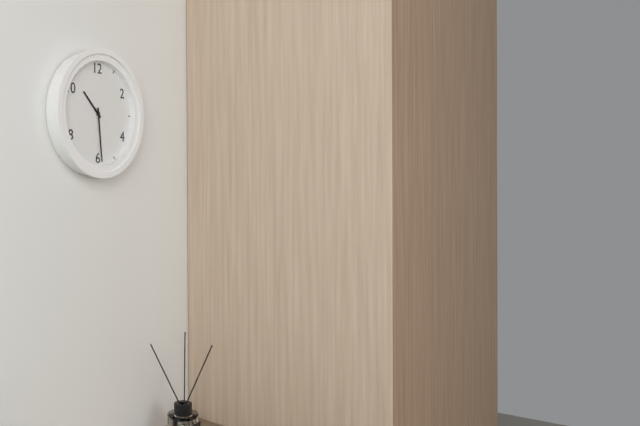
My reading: 10:29
